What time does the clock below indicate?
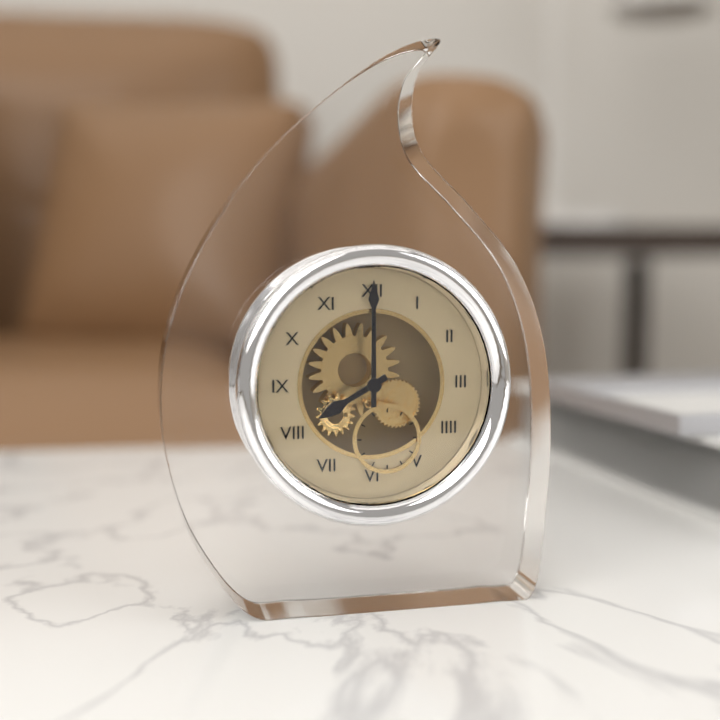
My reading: 8:00
